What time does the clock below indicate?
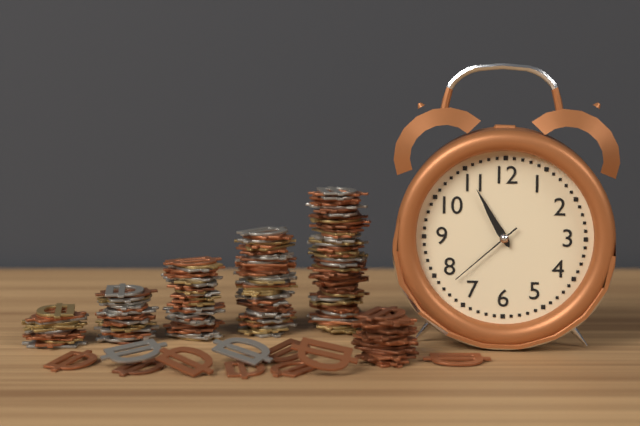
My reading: 10:55:38
